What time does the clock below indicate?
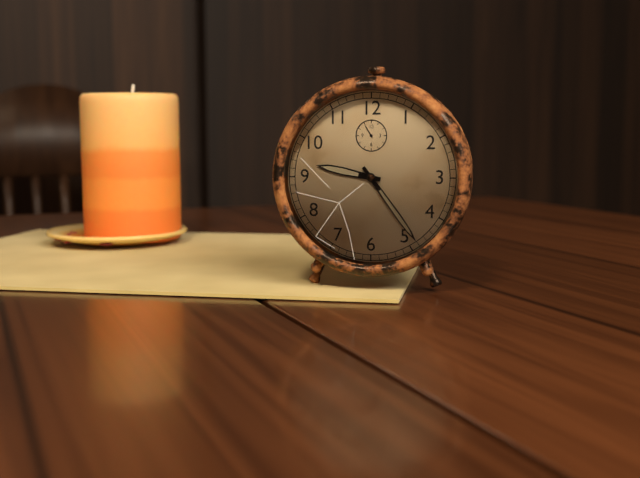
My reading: 9:24
